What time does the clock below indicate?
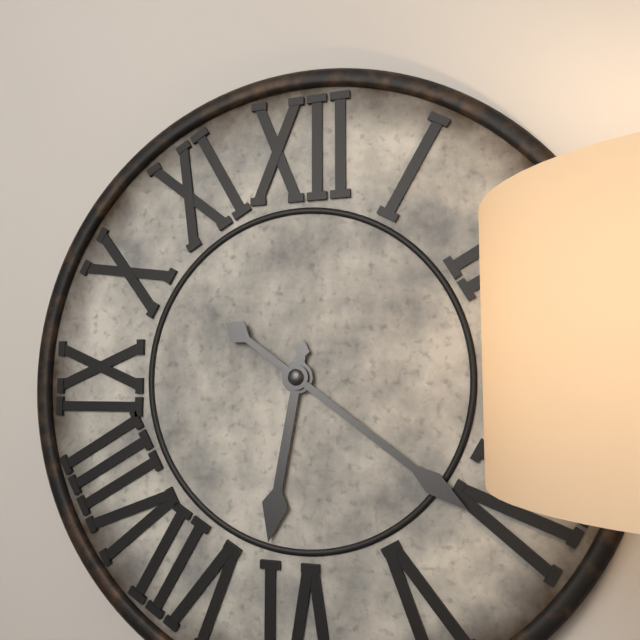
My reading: 6:21
